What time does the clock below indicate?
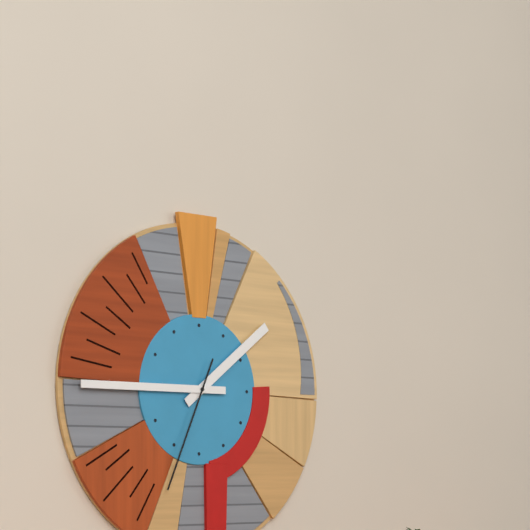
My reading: 1:45:34
